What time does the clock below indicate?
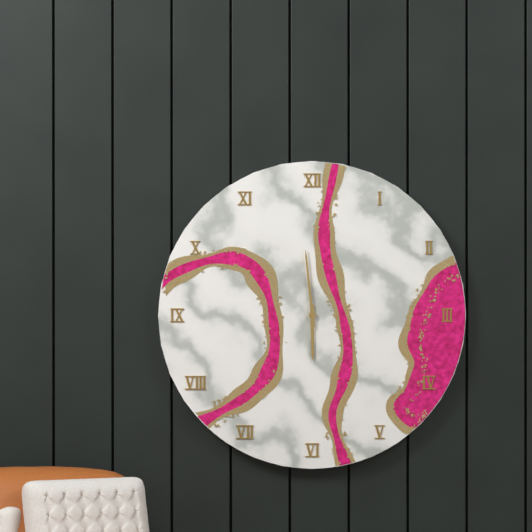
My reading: 5:59
